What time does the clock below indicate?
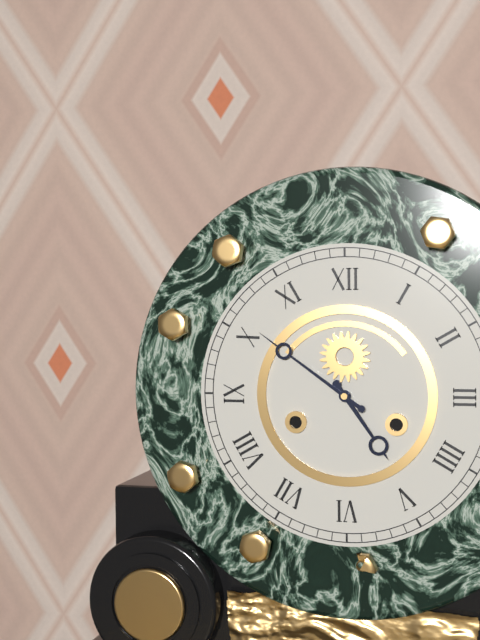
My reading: 4:51
